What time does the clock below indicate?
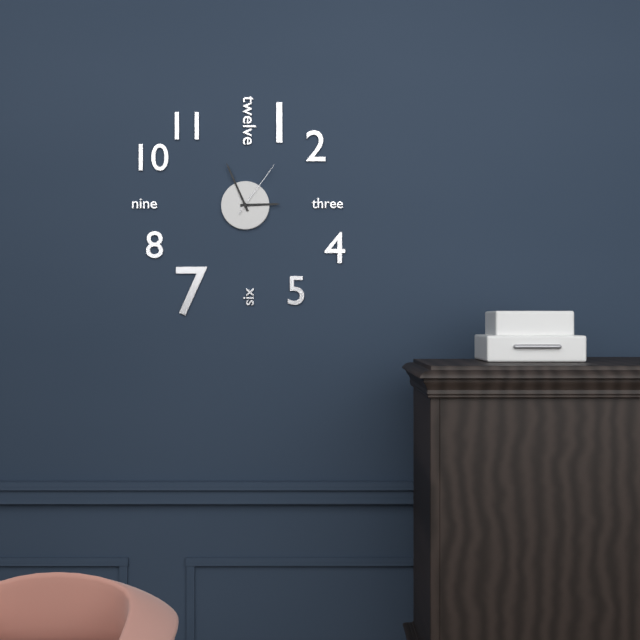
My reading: 2:56:06
